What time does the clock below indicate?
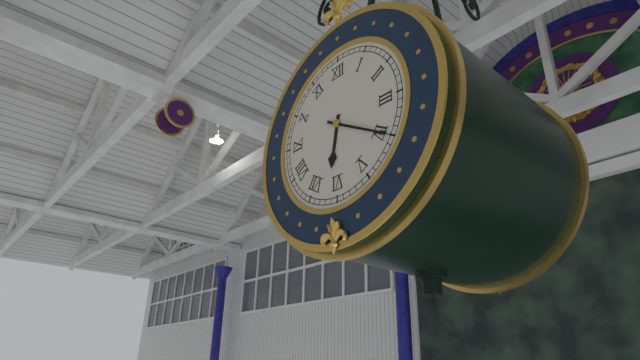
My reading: 6:20
